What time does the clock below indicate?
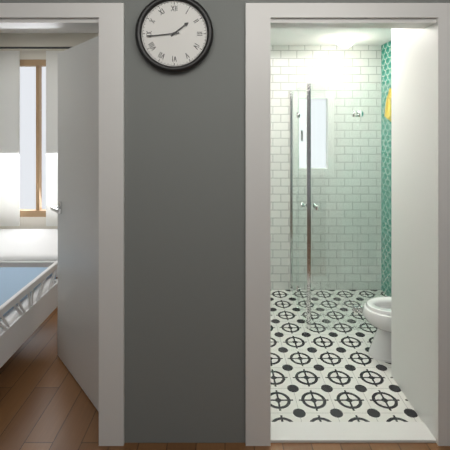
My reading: 1:44
